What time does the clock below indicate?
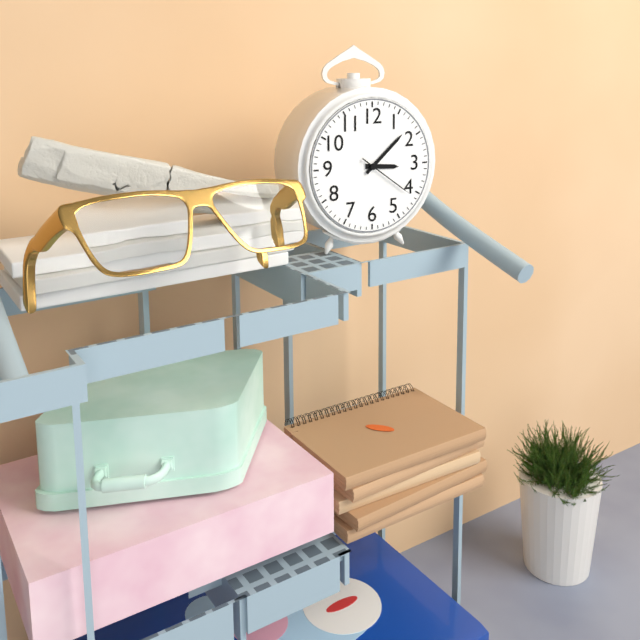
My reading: 3:08:21
